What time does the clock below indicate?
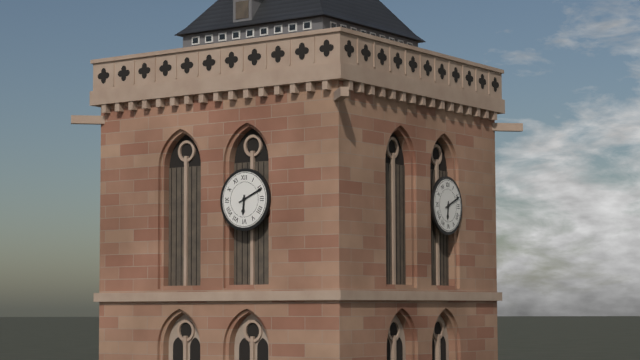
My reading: 6:11
